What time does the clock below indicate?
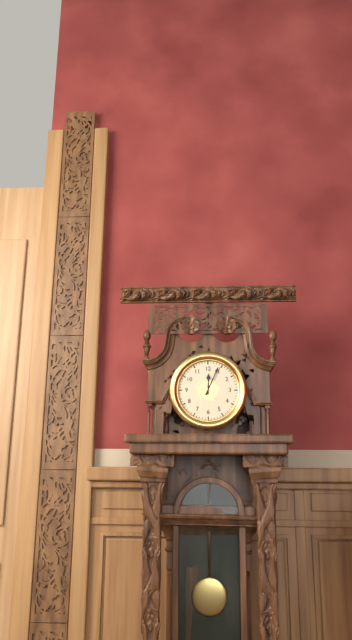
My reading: 12:04
